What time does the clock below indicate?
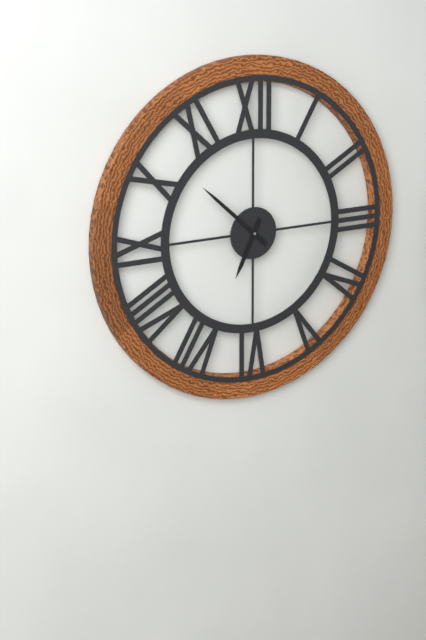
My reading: 6:52
